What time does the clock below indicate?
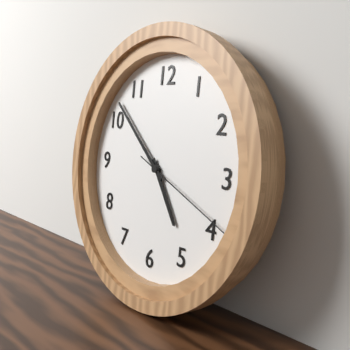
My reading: 4:52:19
